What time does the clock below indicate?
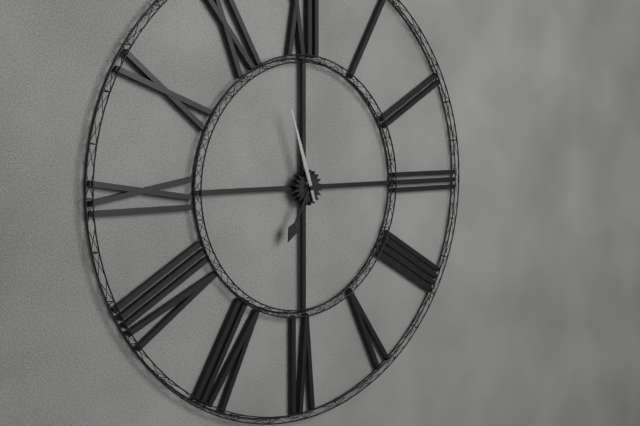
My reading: 6:57
